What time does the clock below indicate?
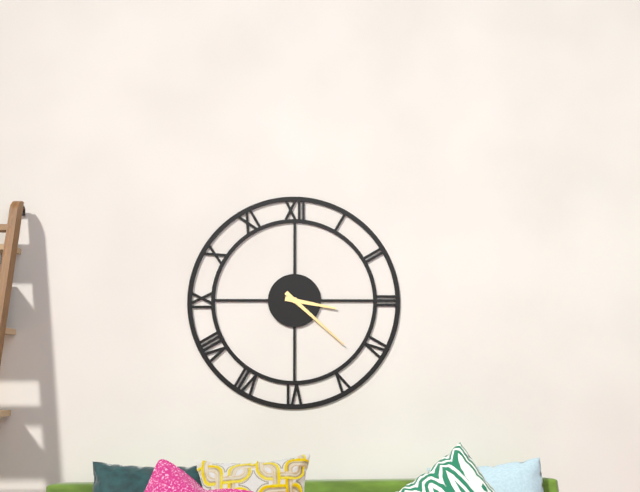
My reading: 3:22
